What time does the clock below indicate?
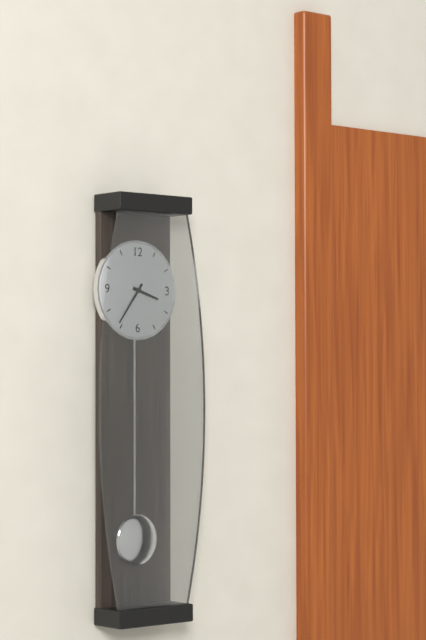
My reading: 3:36
